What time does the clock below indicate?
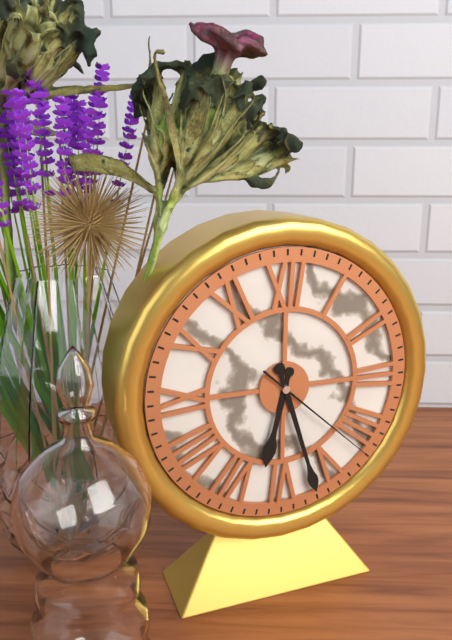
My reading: 6:27:22
